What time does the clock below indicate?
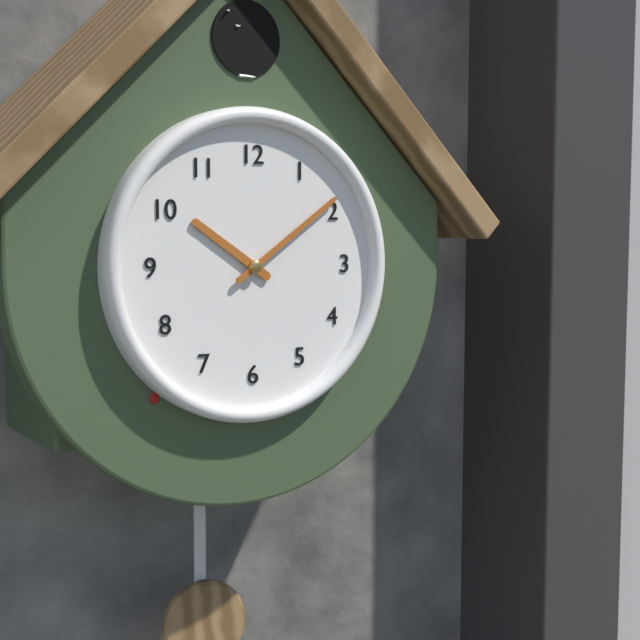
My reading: 10:09
